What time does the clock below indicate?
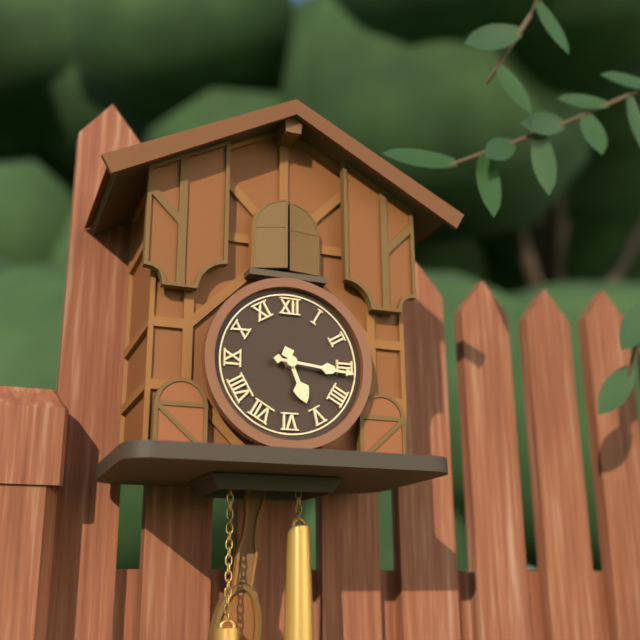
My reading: 5:16
